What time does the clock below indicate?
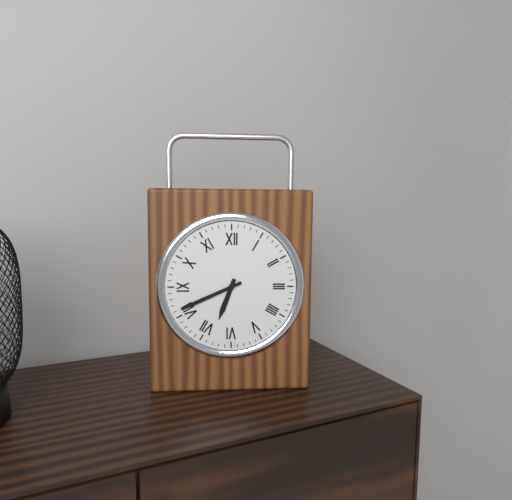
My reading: 6:41
